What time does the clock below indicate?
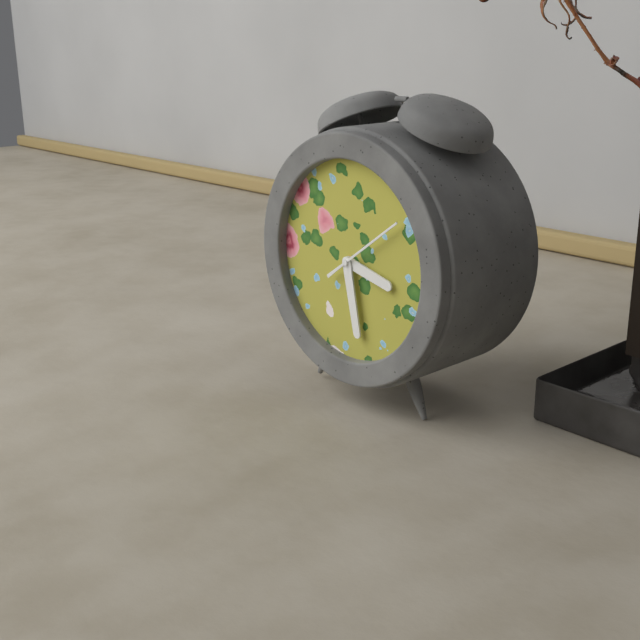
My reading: 3:28:09
